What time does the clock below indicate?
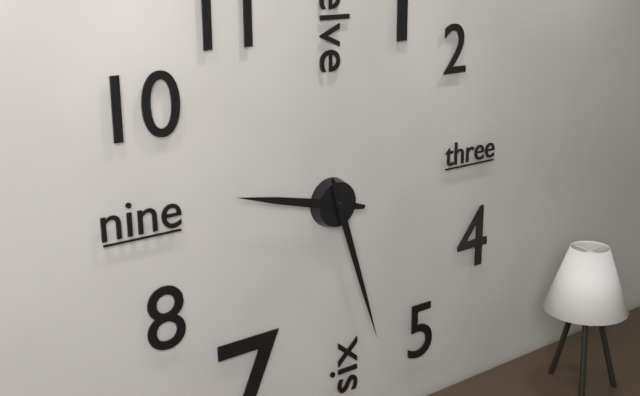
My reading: 9:27
